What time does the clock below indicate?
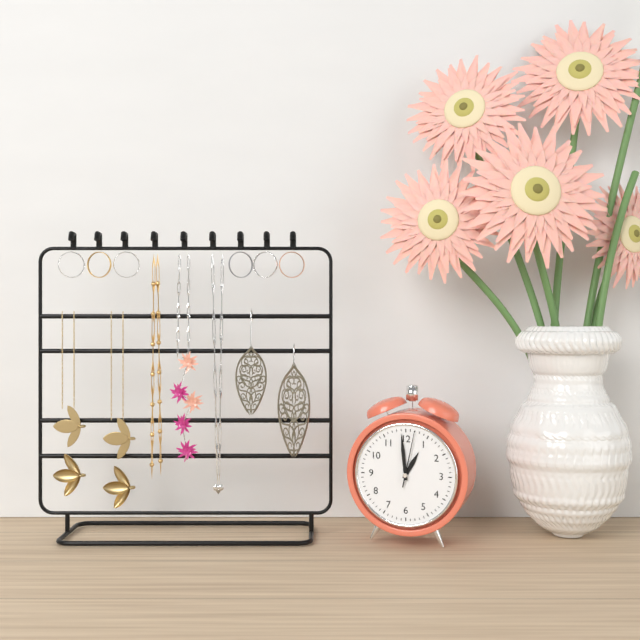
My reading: 12:59:02
